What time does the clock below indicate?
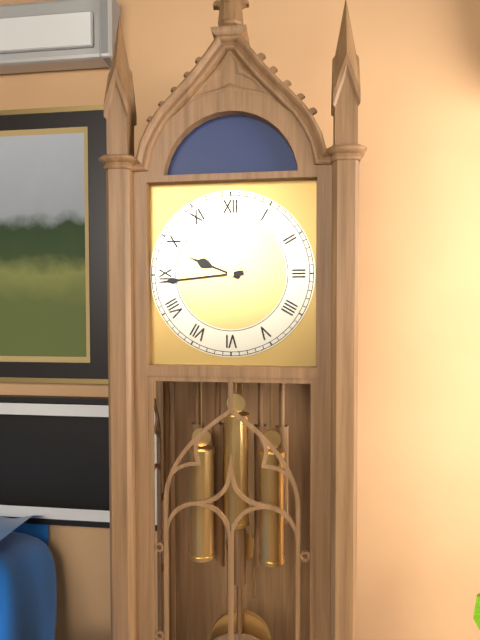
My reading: 9:44
